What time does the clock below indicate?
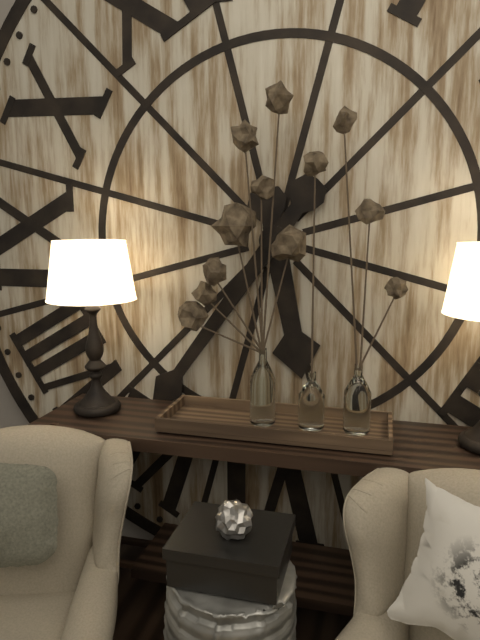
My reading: 5:36
